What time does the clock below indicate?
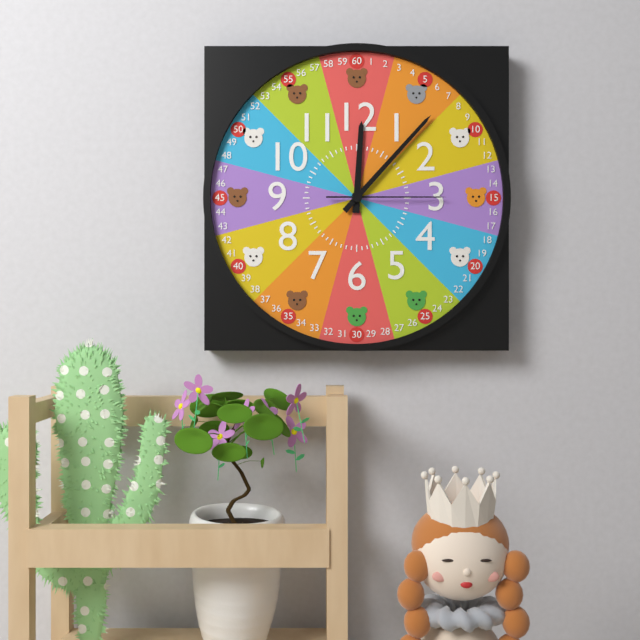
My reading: 12:07:15
